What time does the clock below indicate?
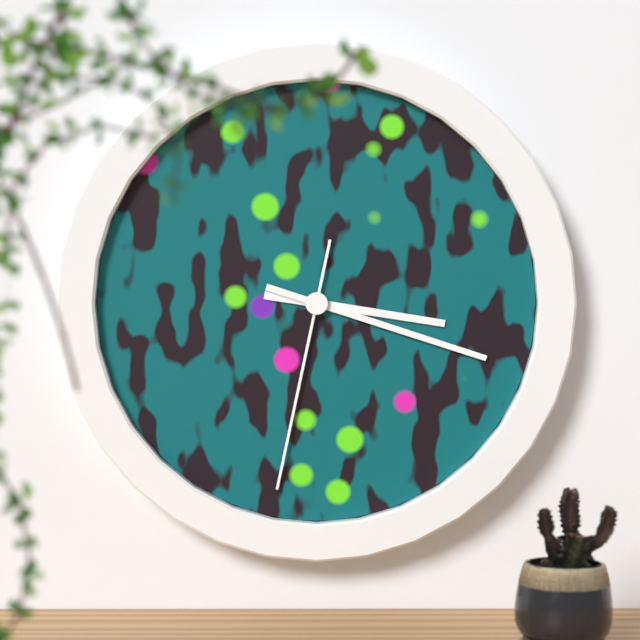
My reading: 3:18:32
